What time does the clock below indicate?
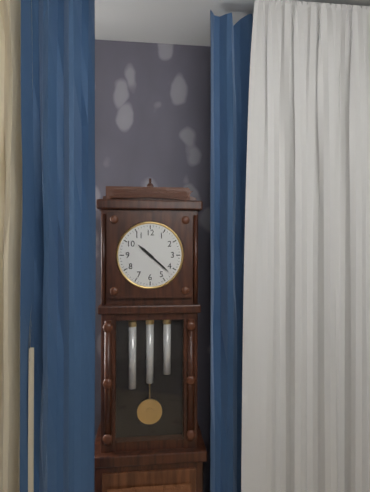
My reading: 10:22
